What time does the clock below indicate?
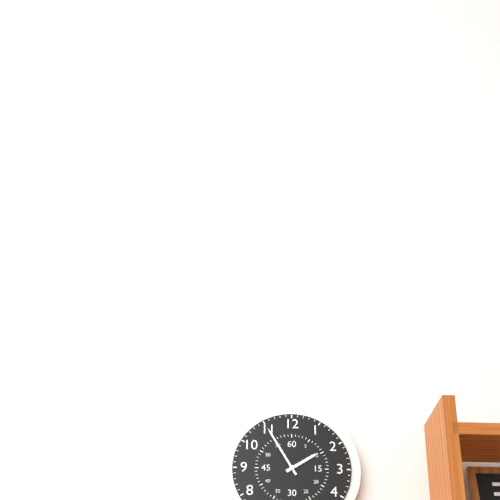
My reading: 1:55
